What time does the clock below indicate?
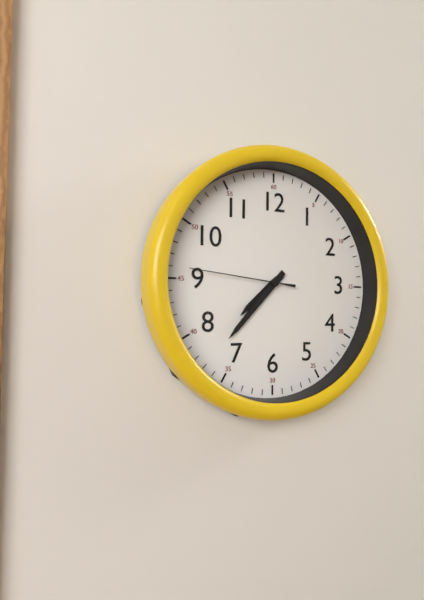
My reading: 7:37:46
